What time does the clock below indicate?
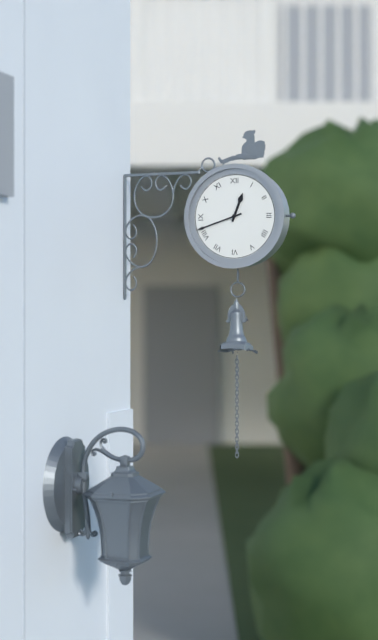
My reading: 12:42
